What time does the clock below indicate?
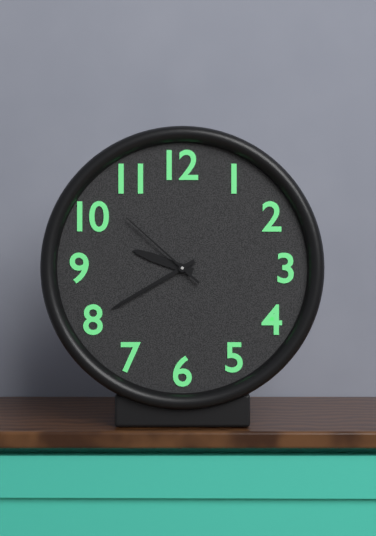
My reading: 9:40:52
